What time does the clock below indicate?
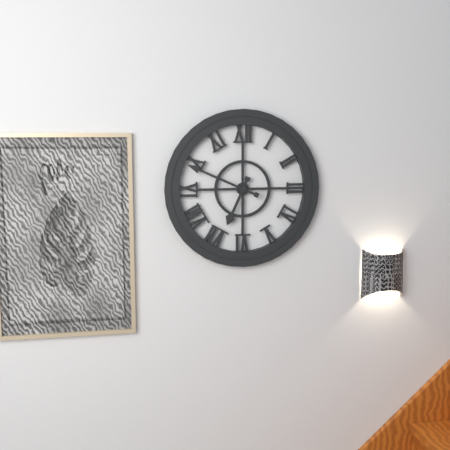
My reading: 6:49
